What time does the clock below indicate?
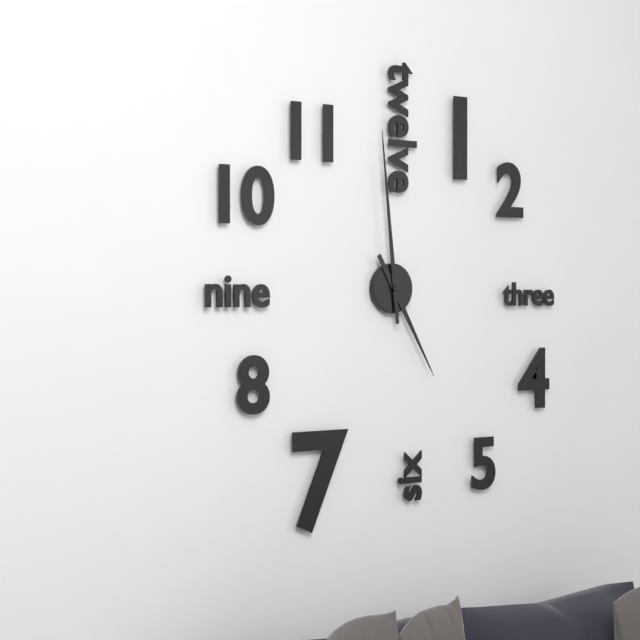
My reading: 4:59
